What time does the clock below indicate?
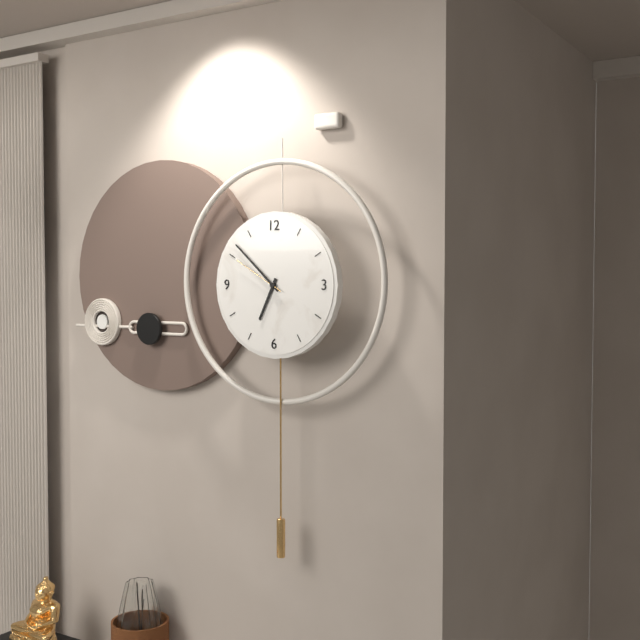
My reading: 6:52:50
